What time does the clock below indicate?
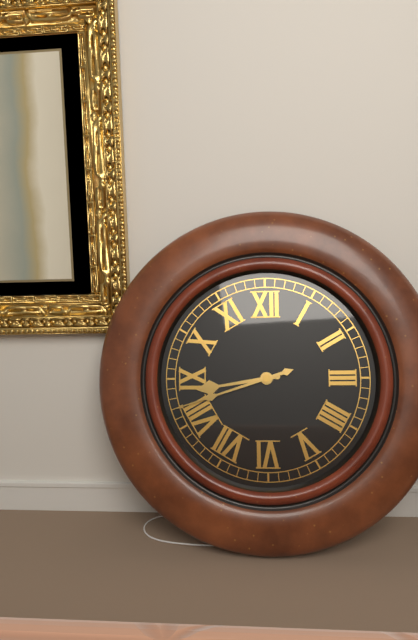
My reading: 8:42
